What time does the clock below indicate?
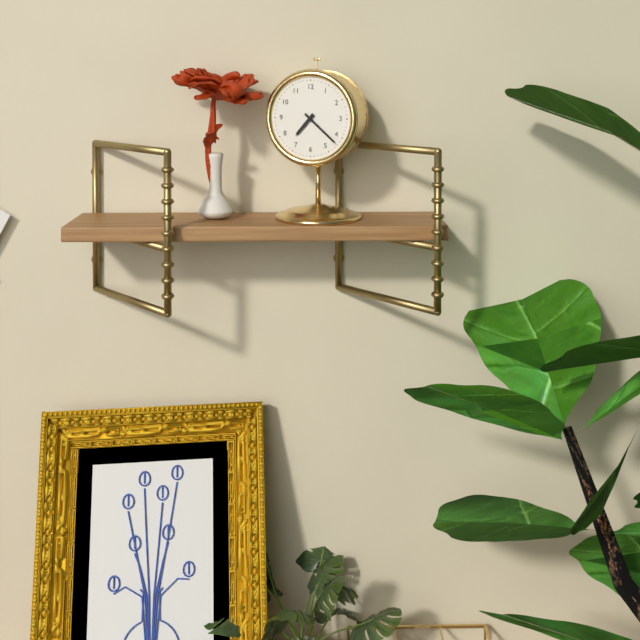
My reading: 7:22
